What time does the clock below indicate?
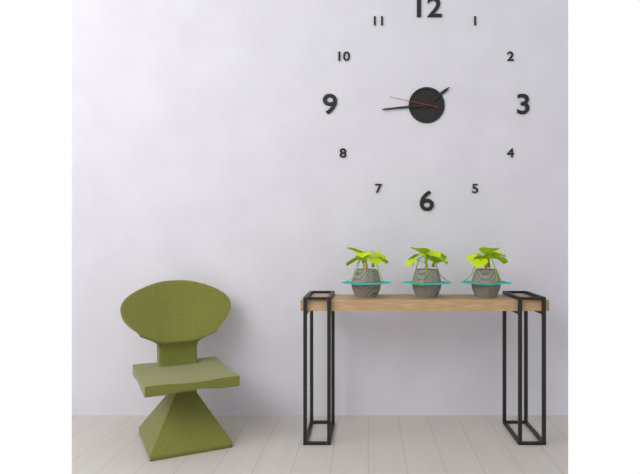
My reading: 1:44
